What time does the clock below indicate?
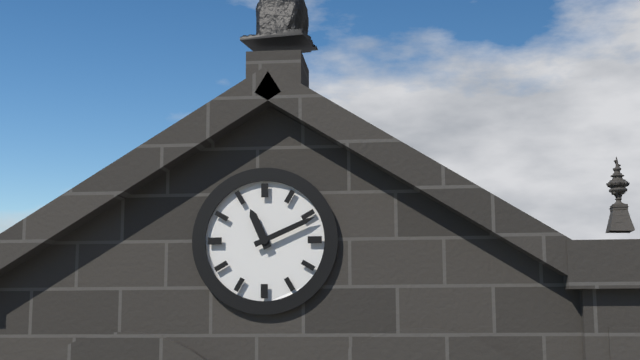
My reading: 11:11
